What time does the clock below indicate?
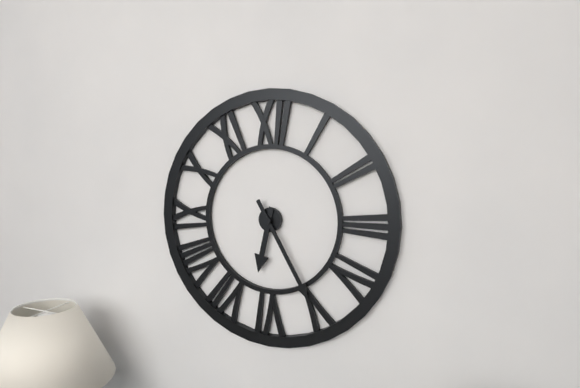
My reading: 6:25
